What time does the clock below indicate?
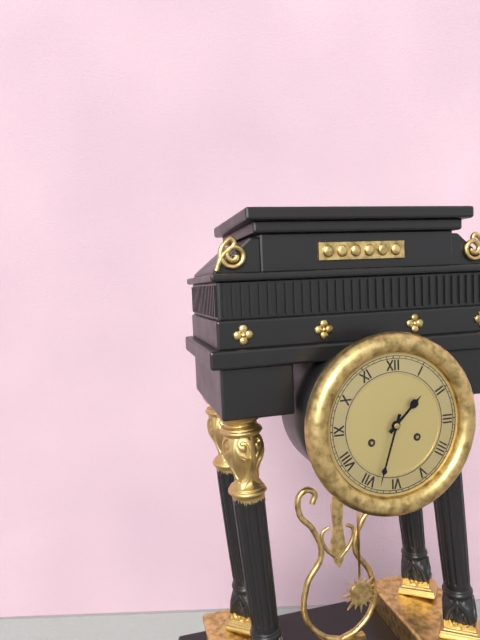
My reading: 1:33
